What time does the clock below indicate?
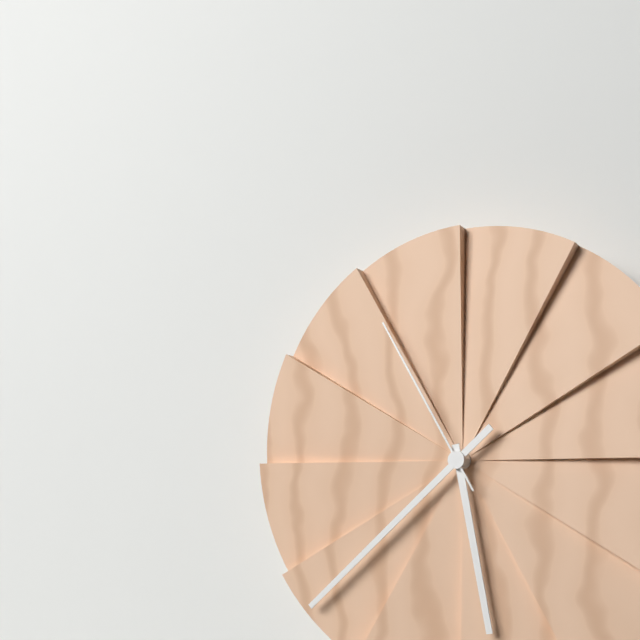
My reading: 5:38:55
